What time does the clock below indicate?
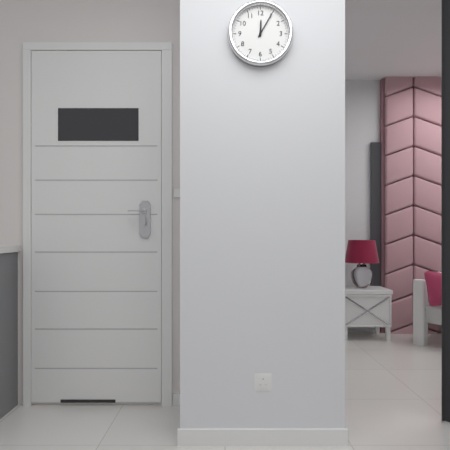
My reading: 12:05
